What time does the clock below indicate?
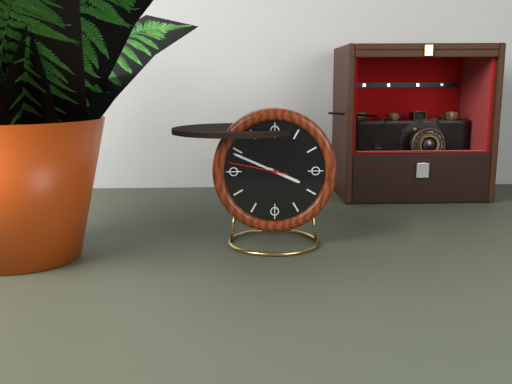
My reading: 3:49:47
